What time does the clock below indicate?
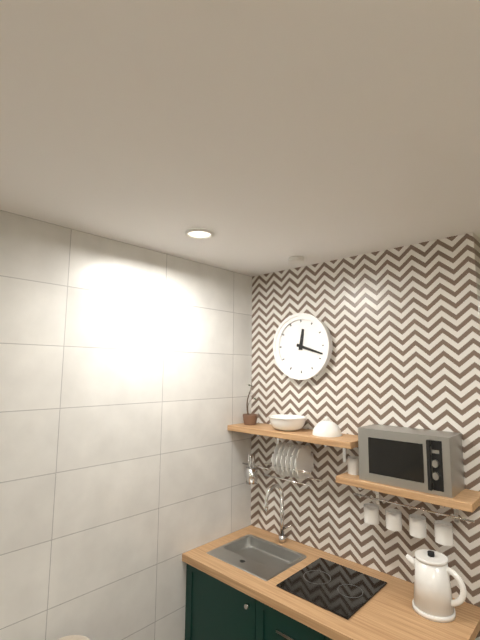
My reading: 12:18
